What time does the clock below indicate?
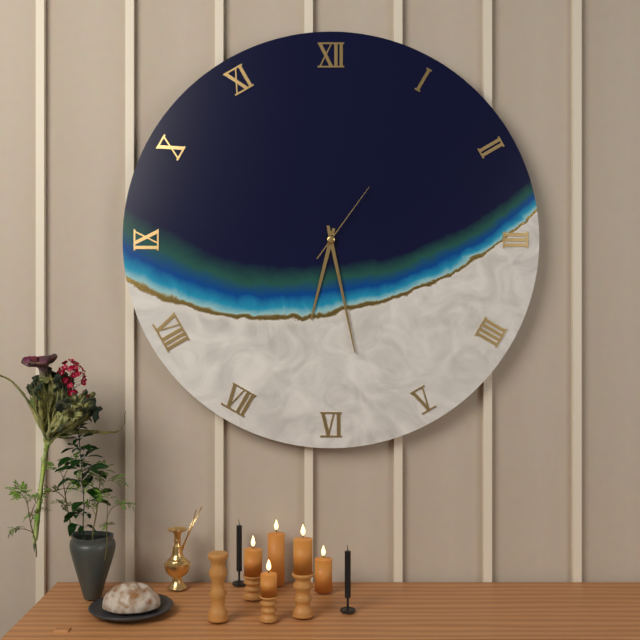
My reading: 6:28:06
